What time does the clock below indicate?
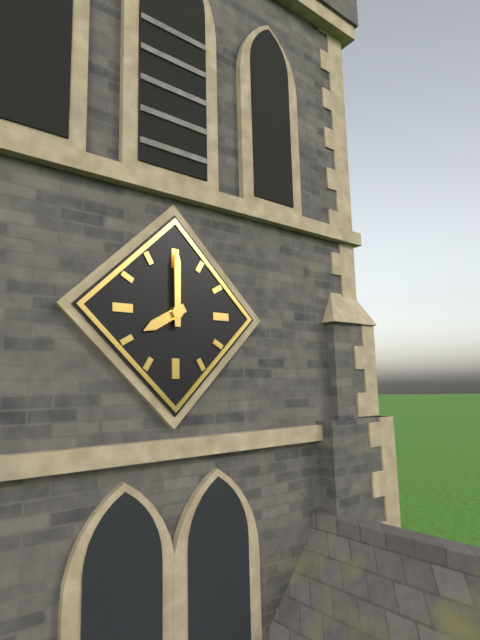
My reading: 8:00
